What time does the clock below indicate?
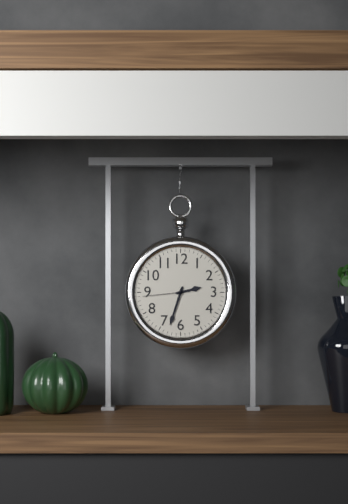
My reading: 2:33
